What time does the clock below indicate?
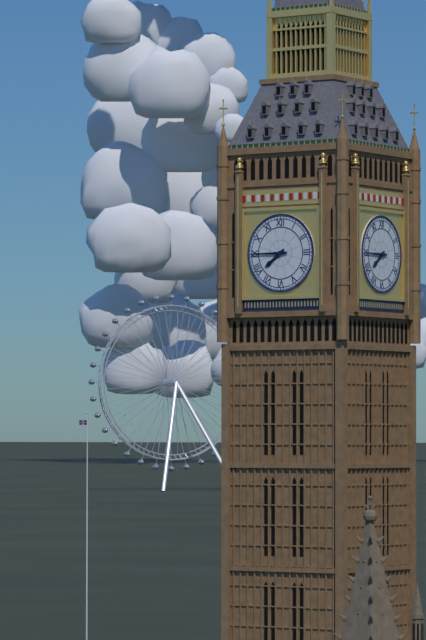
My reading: 7:45
